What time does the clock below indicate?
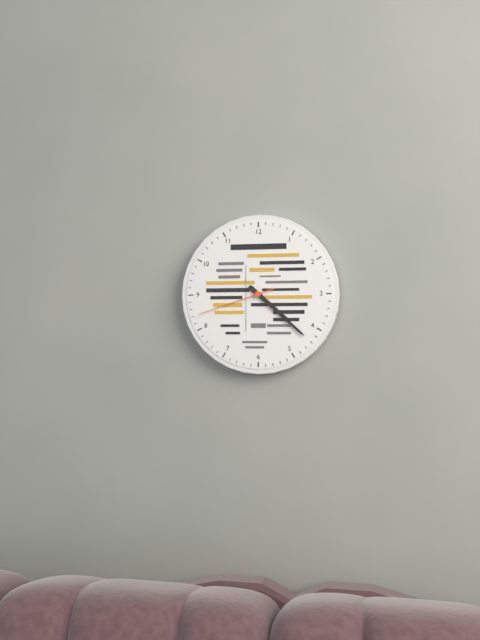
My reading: 4:22:42
